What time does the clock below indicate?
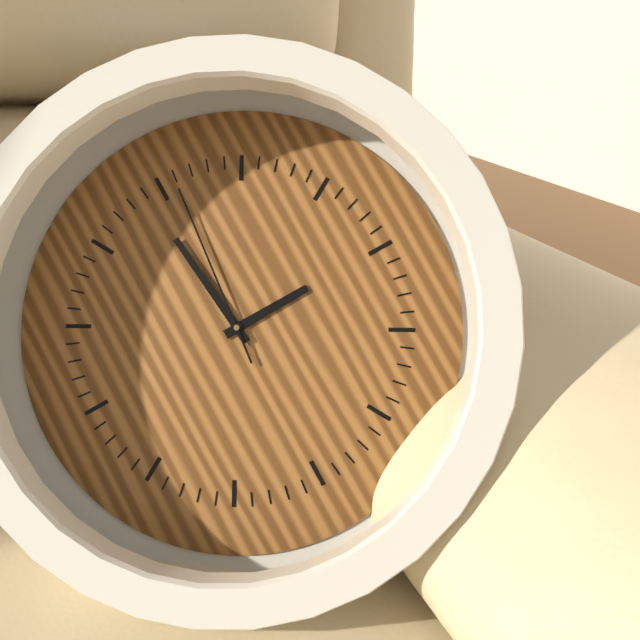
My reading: 2:59:01
